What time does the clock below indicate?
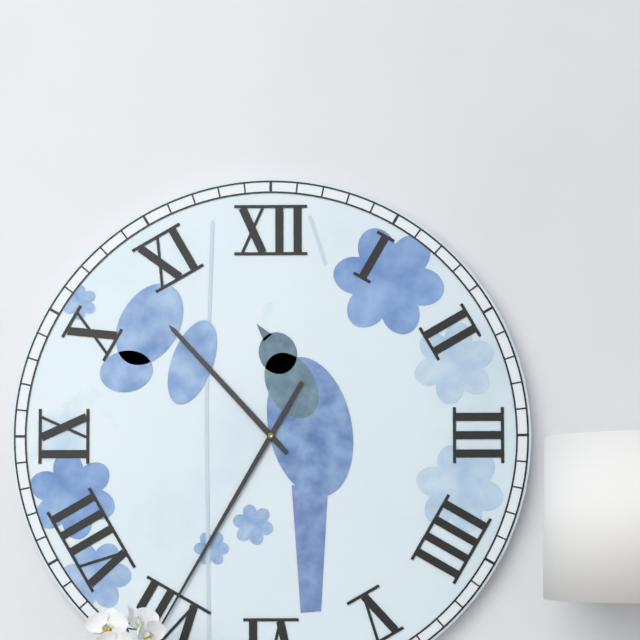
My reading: 10:35
